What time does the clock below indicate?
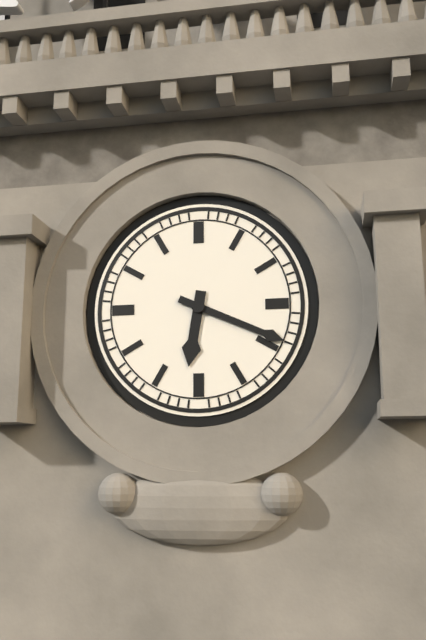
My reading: 6:19
